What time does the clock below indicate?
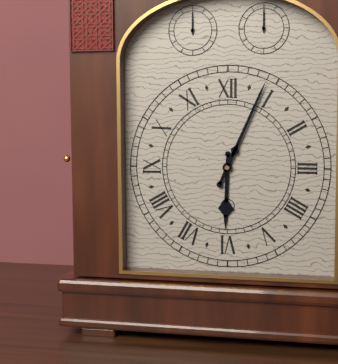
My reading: 6:04
